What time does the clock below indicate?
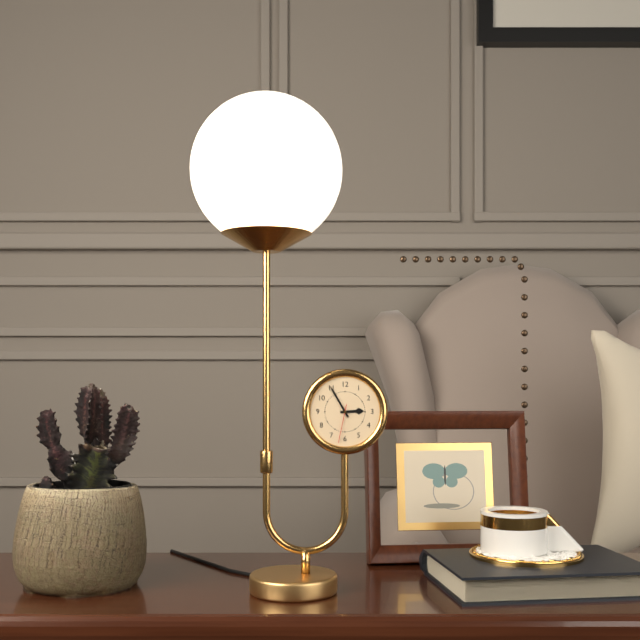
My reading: 2:55
